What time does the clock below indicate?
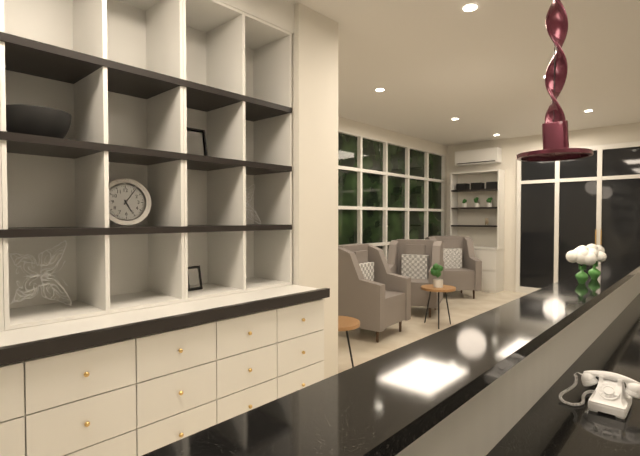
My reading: 5:06
